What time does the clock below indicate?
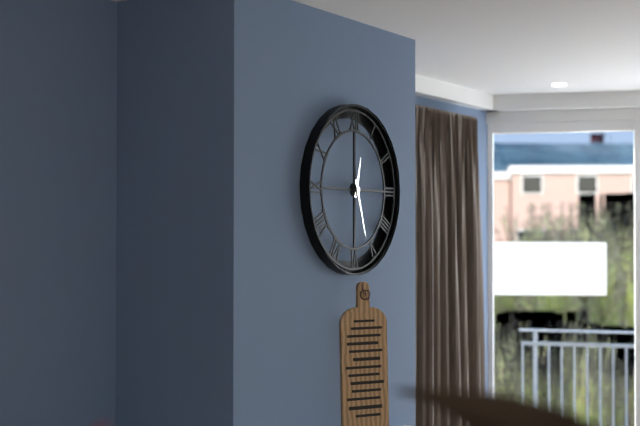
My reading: 12:27
